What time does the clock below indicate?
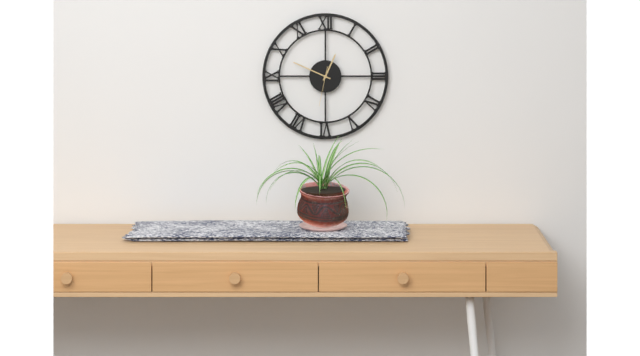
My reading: 12:49
